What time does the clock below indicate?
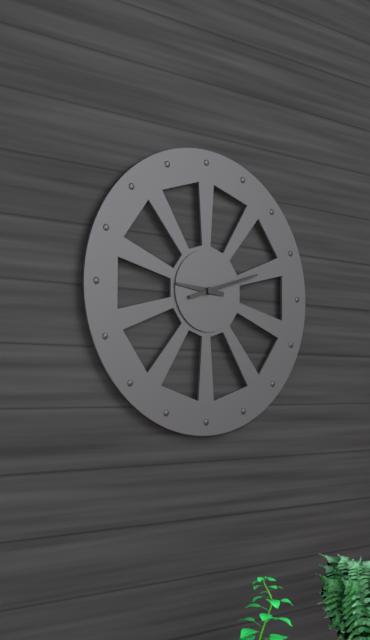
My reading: 9:12
